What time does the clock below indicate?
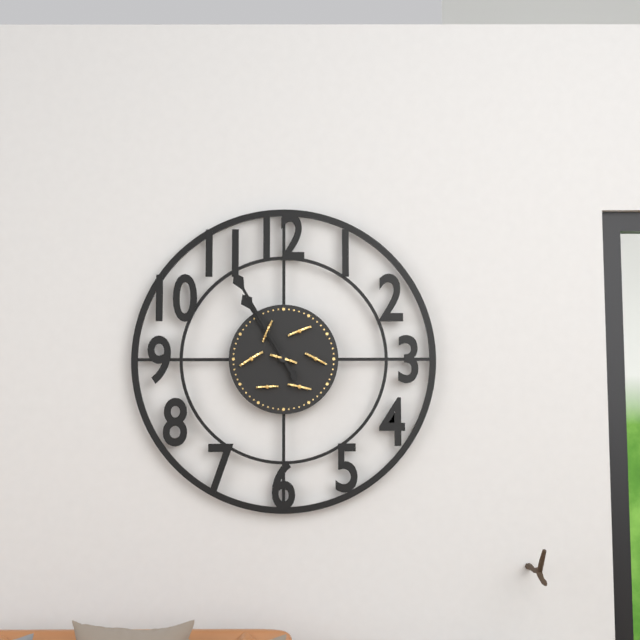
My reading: 10:55
